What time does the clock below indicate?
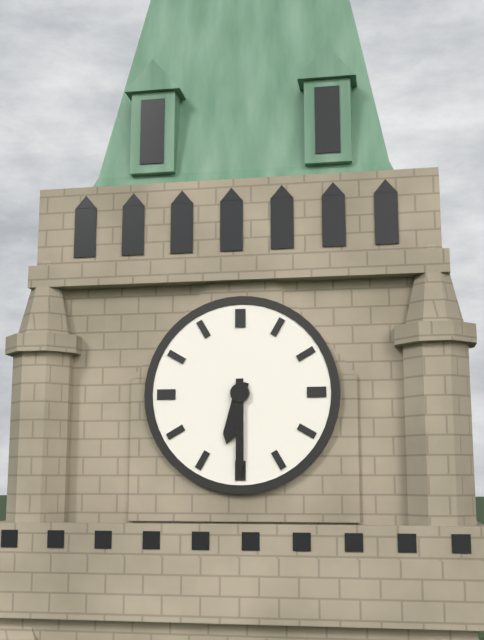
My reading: 6:30
